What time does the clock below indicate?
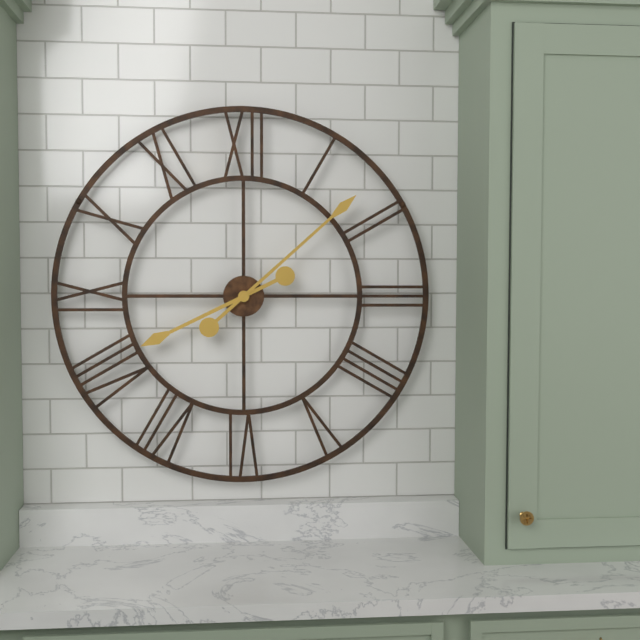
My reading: 8:08
